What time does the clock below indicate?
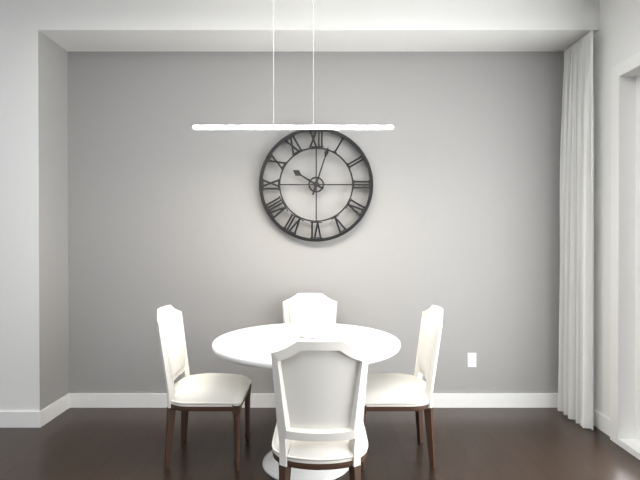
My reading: 10:03
